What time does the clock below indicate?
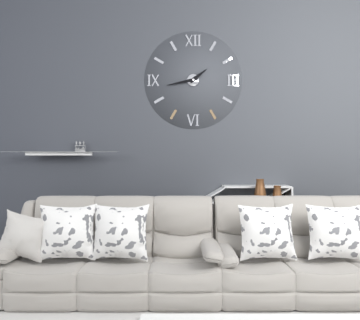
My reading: 1:43
